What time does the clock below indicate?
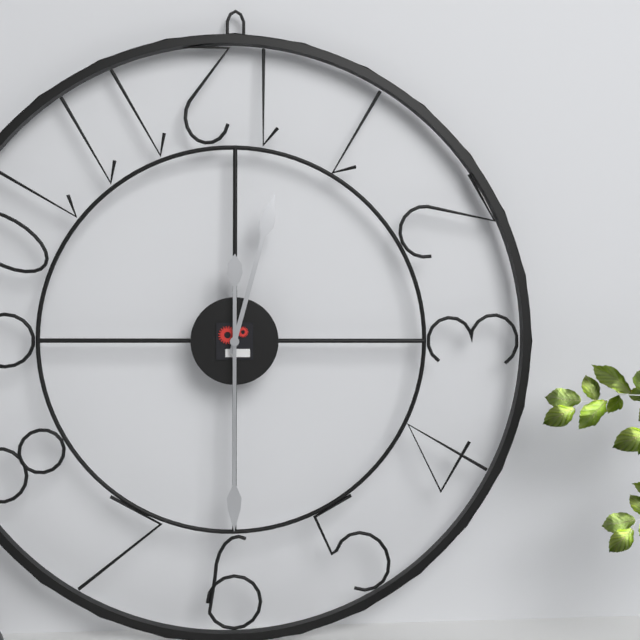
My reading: 12:30
